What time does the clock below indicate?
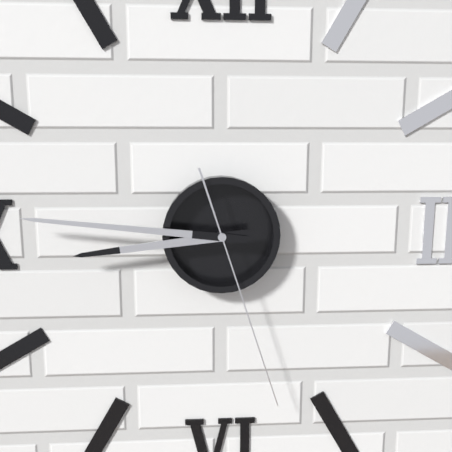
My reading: 8:46:27
